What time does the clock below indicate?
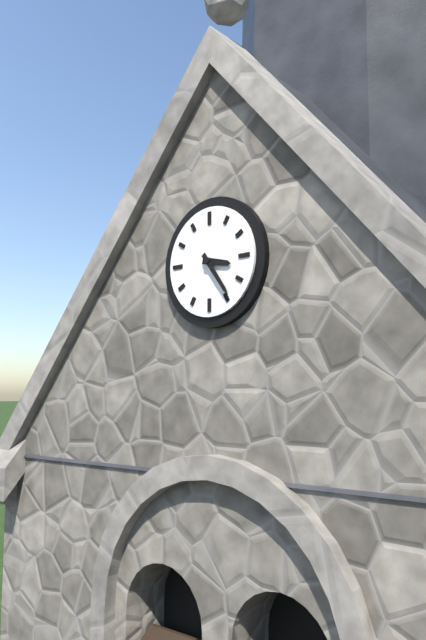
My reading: 3:24
